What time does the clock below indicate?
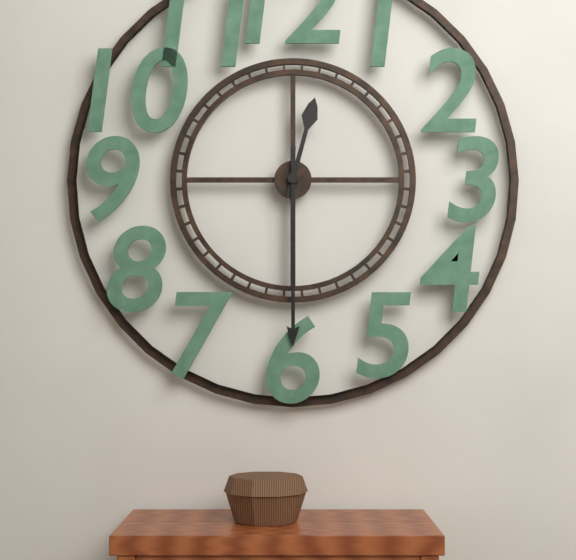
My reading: 12:30
